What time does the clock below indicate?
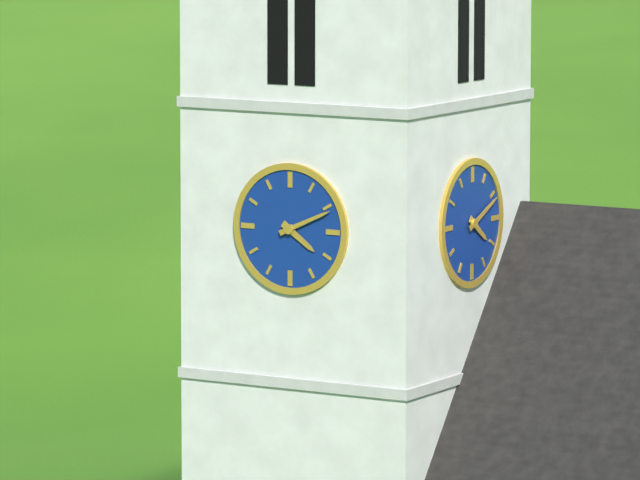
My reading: 4:11
